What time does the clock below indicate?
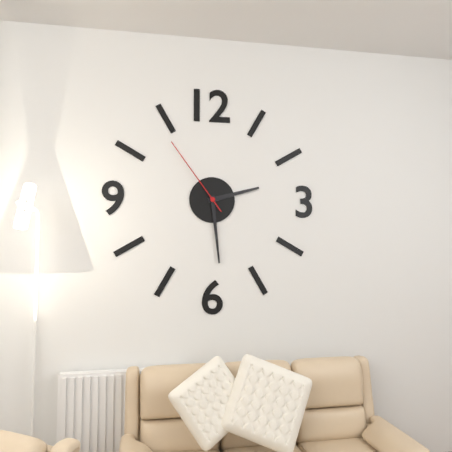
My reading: 2:29:54
